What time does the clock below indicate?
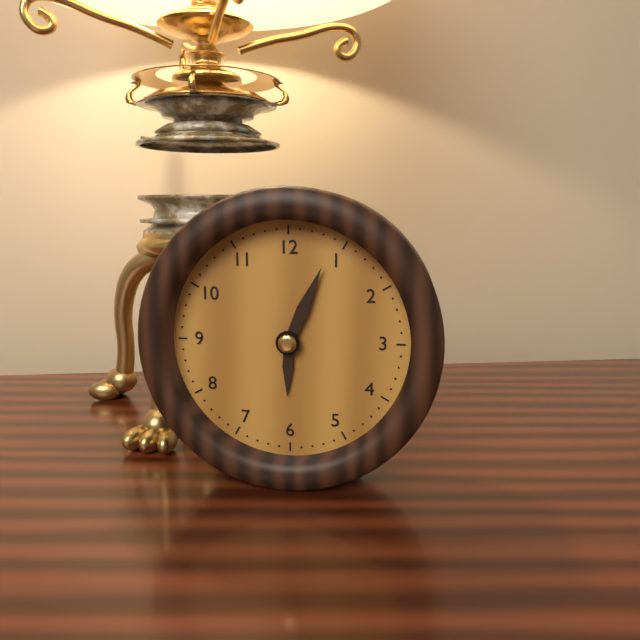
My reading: 6:04
